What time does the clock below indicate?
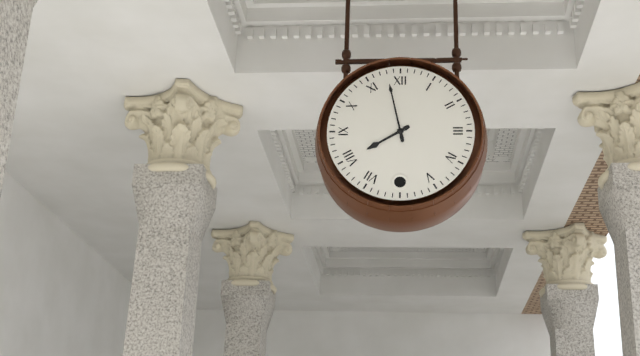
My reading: 7:58
